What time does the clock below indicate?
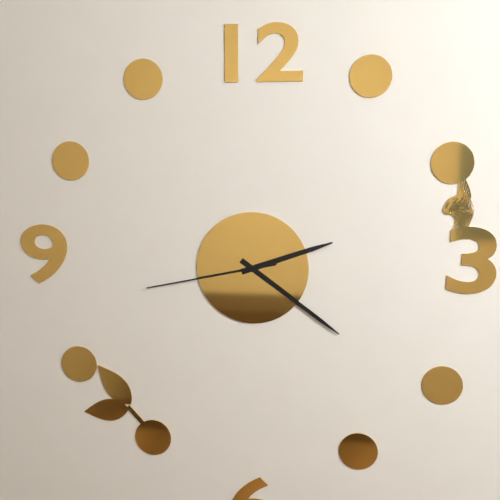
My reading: 2:21:43
